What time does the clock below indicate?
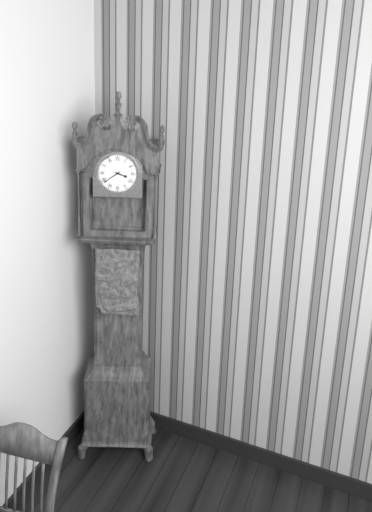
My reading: 3:39
